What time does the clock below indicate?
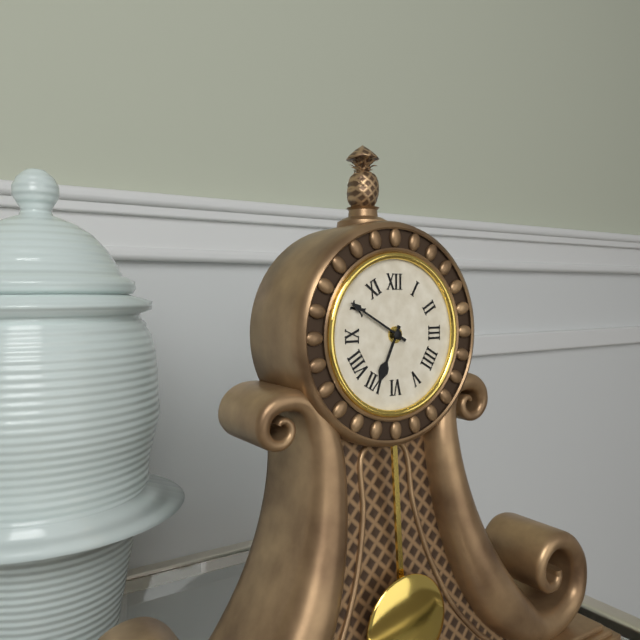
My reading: 6:50
